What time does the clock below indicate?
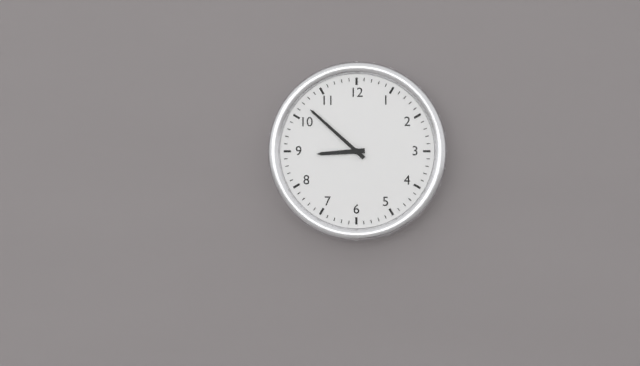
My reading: 8:52
